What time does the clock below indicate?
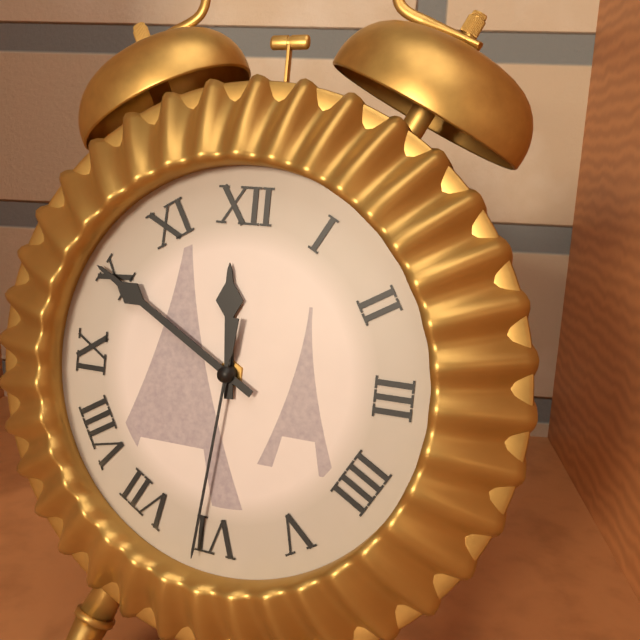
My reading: 11:50:31
